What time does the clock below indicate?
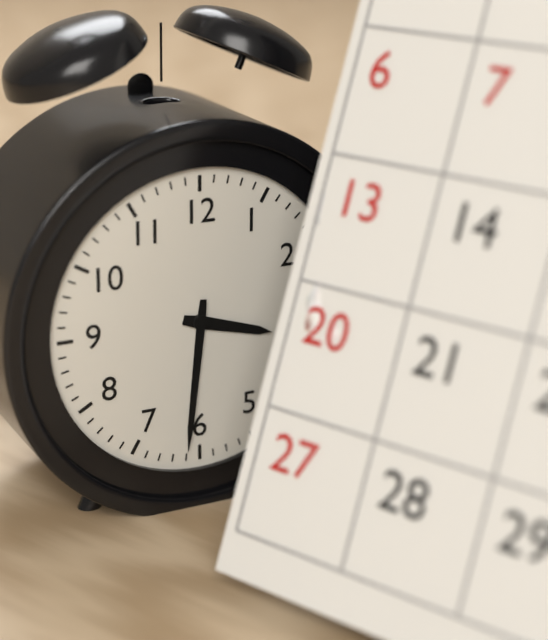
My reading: 3:31
